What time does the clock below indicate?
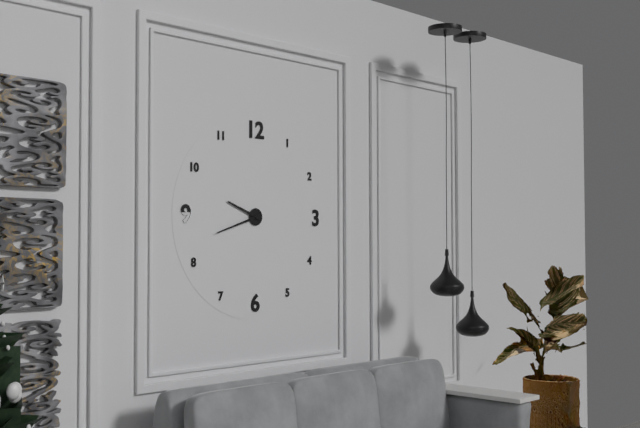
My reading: 9:42
